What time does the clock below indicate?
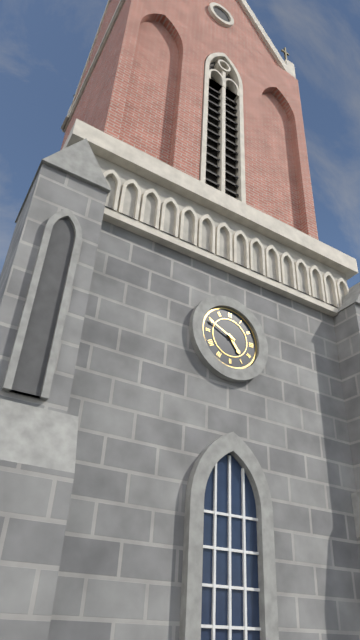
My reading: 4:49
